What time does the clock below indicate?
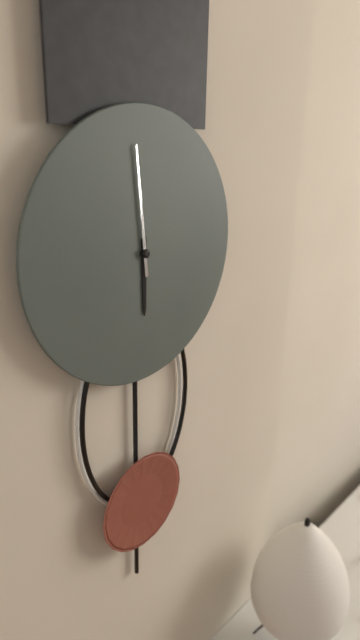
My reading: 5:59
